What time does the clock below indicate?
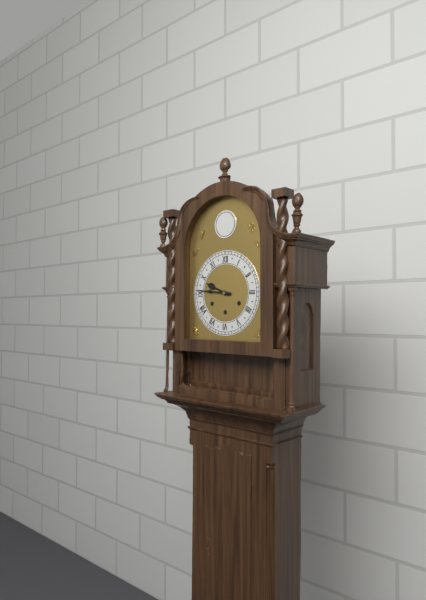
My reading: 9:46
